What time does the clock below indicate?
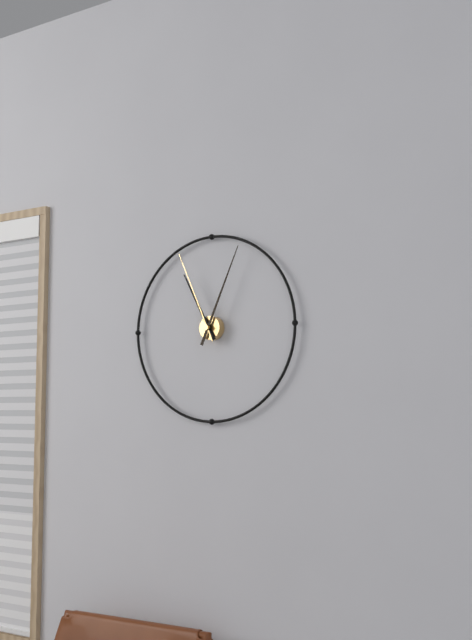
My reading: 11:04:56
